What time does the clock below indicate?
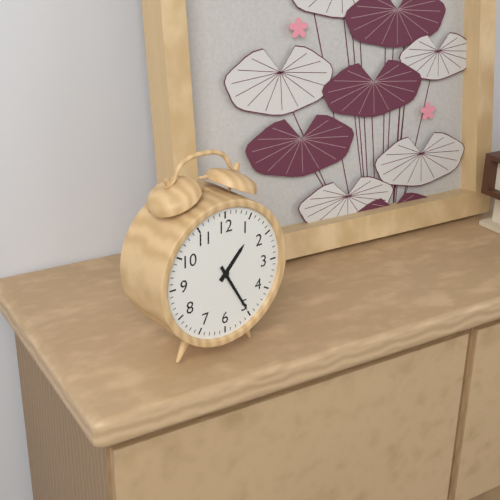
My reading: 1:25
